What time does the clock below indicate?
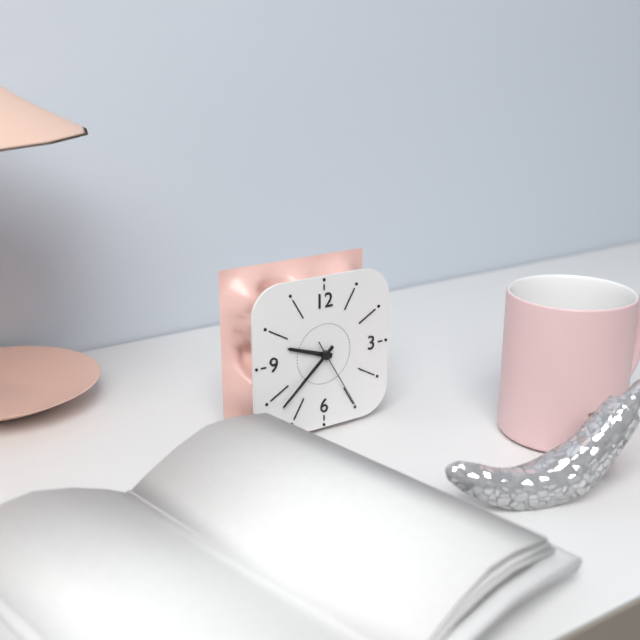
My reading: 9:38:25
